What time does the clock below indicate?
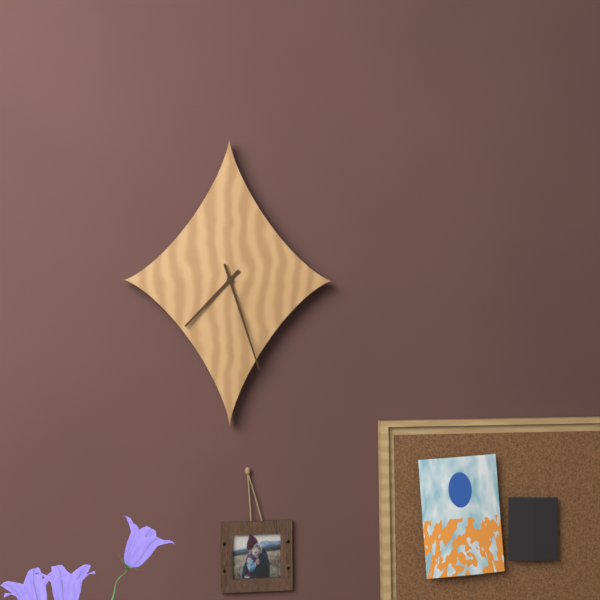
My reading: 7:27
